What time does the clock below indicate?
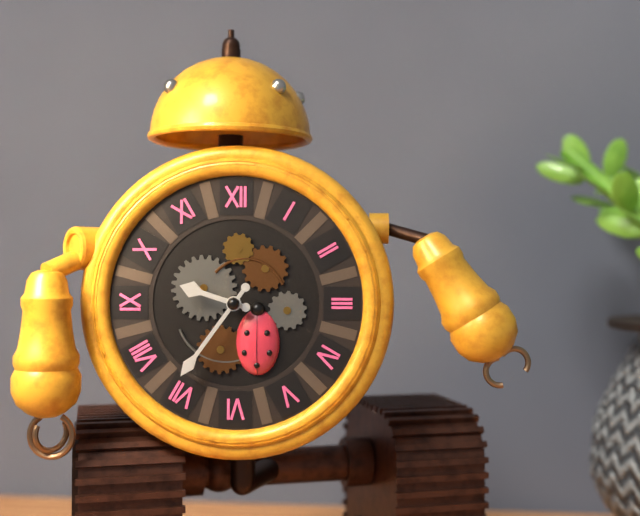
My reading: 9:36
